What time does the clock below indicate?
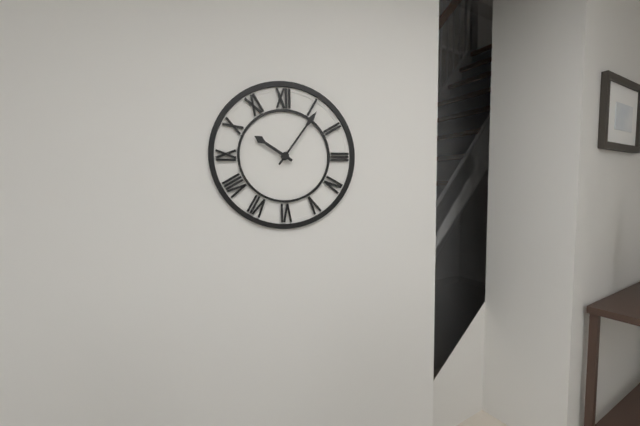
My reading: 10:06
